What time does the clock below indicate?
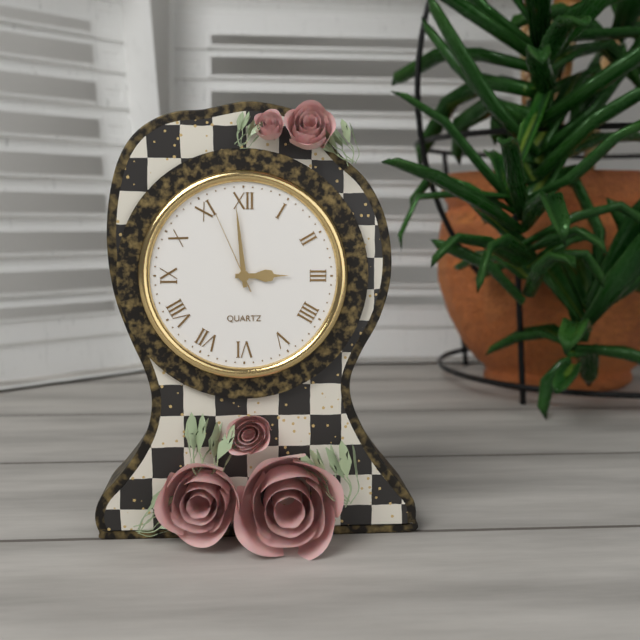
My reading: 2:59:56
